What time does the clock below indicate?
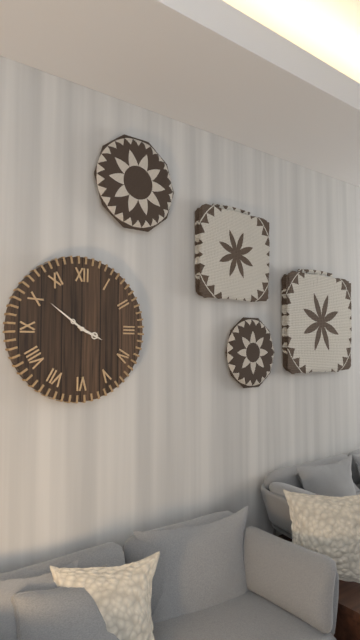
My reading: 3:51
